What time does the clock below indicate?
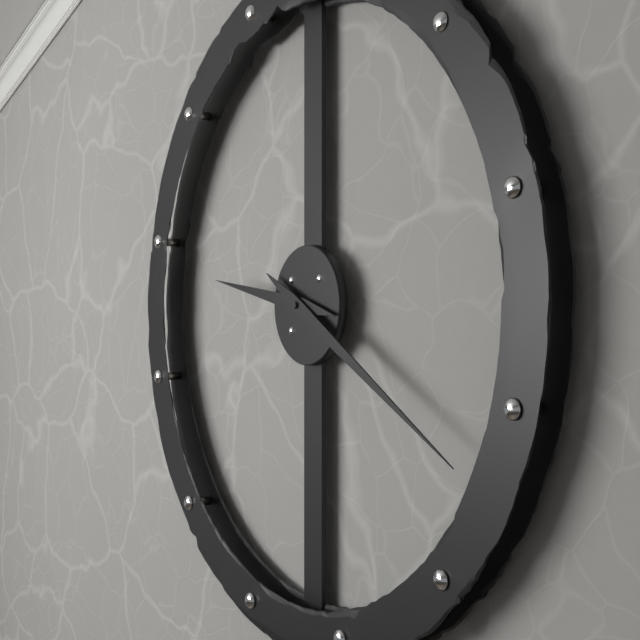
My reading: 9:20
